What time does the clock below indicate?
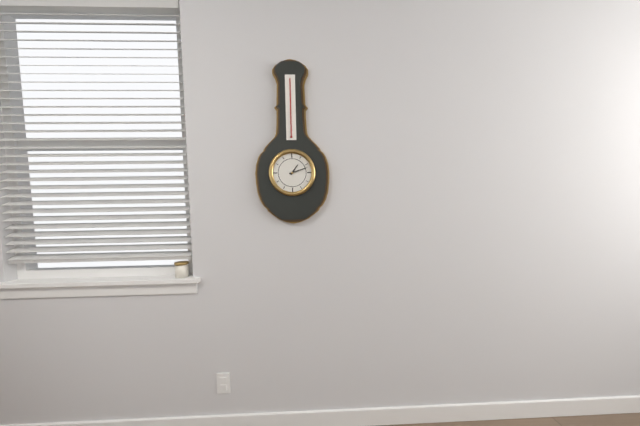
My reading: 1:12
